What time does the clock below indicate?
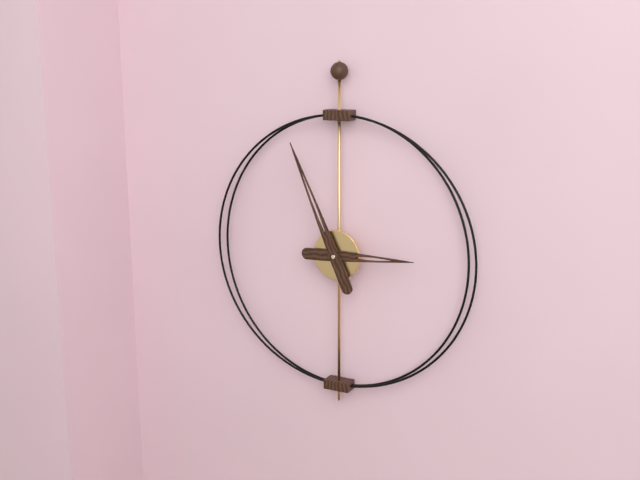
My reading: 2:56
